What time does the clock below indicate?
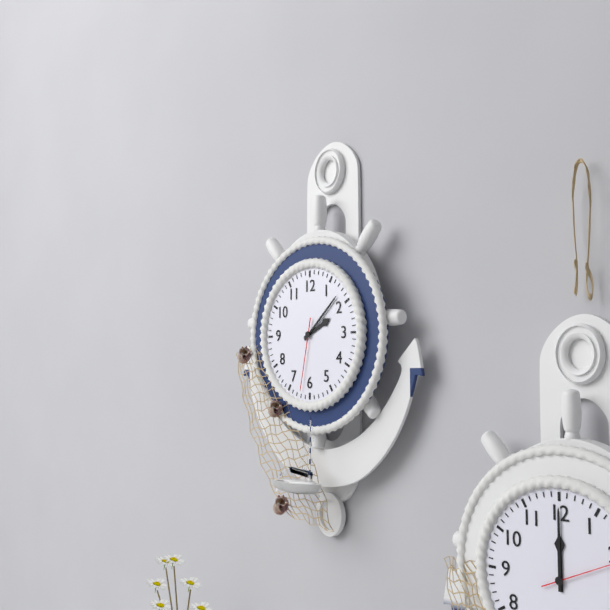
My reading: 2:08:32
